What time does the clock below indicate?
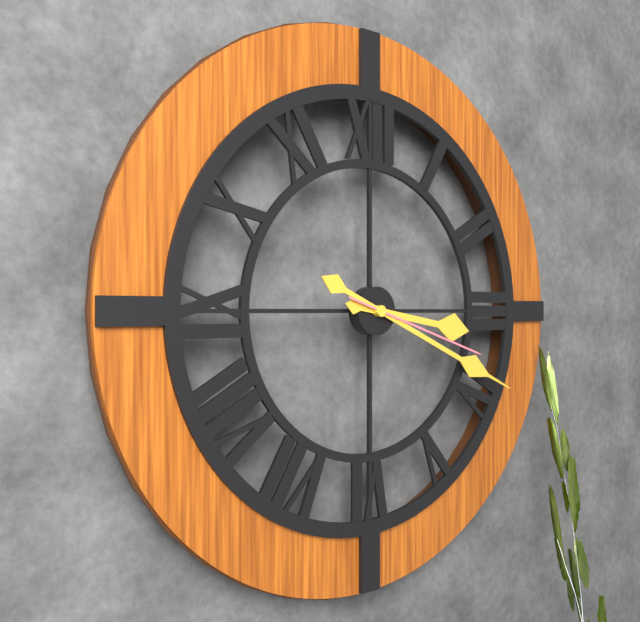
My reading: 3:19:18
